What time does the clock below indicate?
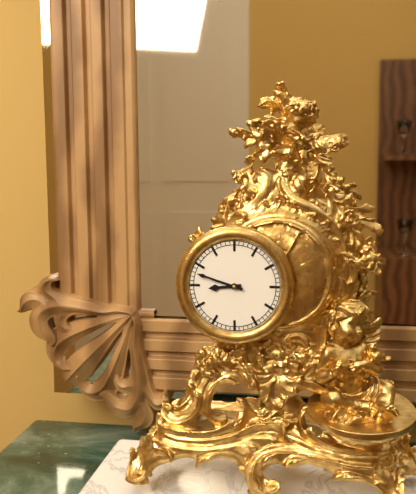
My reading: 8:48
